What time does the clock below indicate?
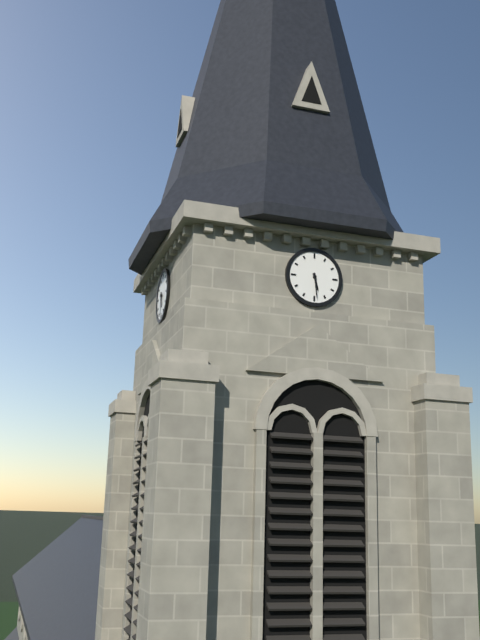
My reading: 5:29
